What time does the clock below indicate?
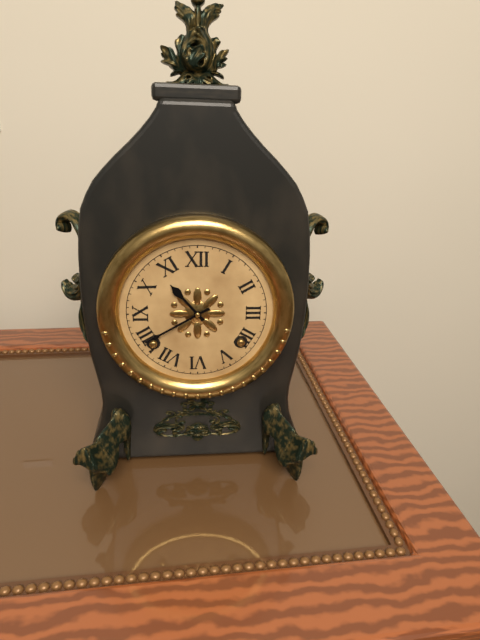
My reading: 10:40
